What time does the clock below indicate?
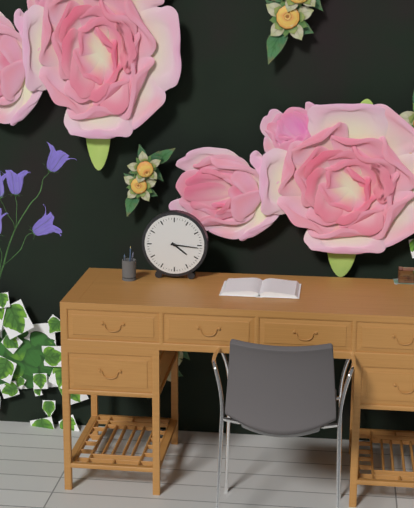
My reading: 4:16
